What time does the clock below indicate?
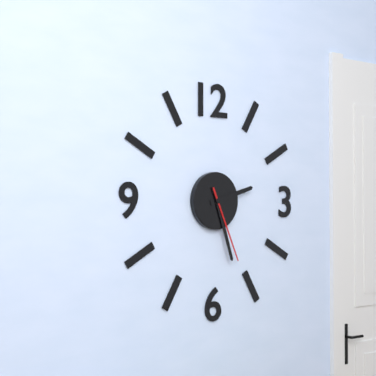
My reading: 2:27:26
